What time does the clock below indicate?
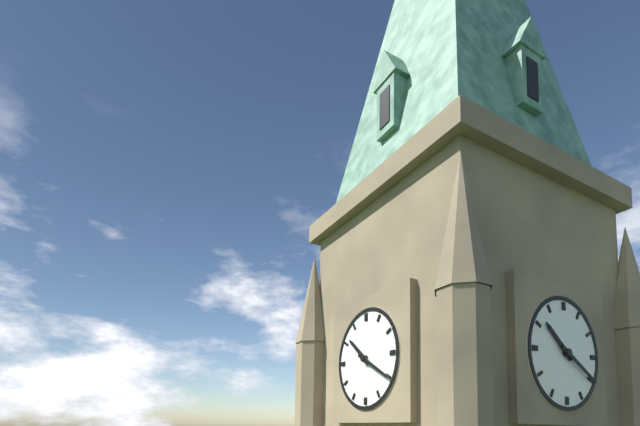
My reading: 10:20
